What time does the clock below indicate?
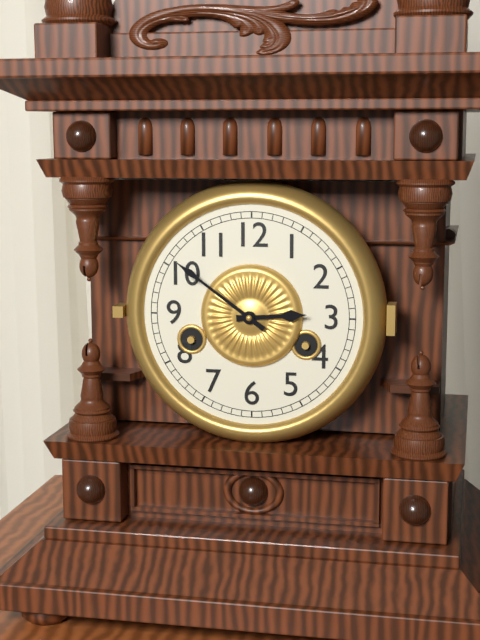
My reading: 2:51
